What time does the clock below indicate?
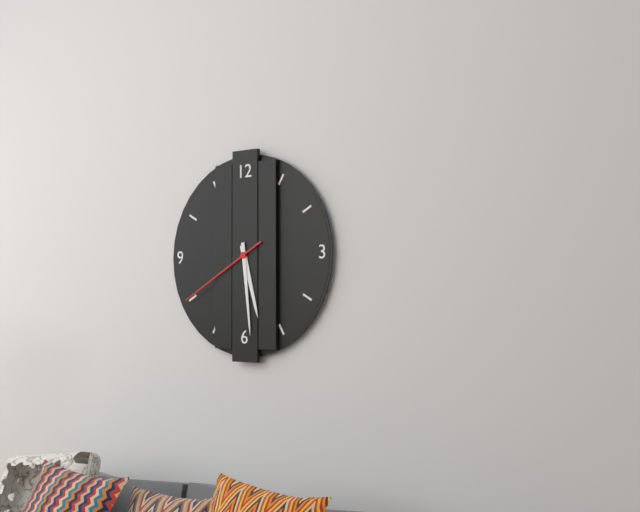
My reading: 5:29:40
